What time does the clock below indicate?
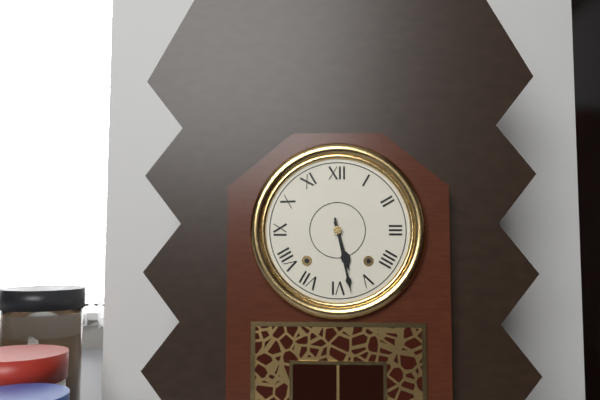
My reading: 5:28
